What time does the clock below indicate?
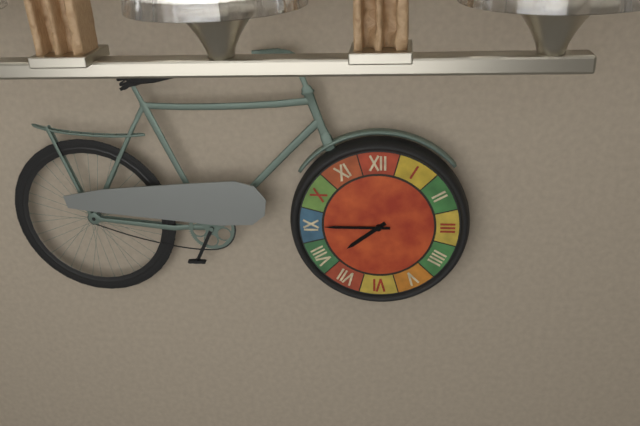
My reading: 7:45
